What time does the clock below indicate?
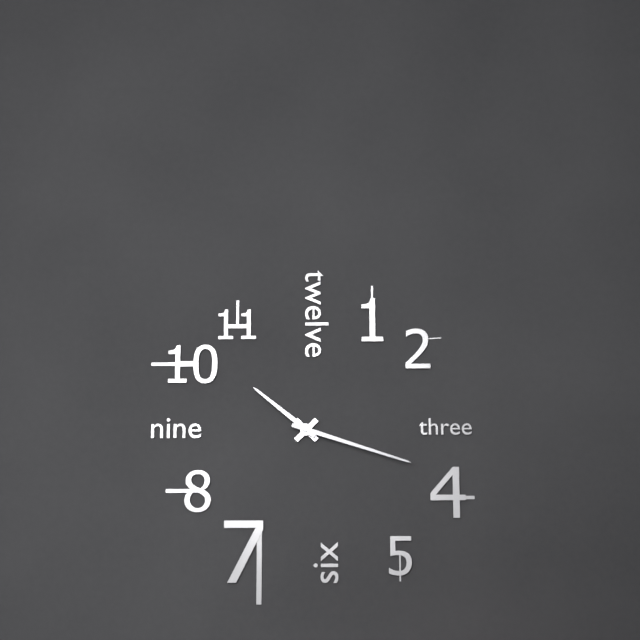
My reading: 10:18
